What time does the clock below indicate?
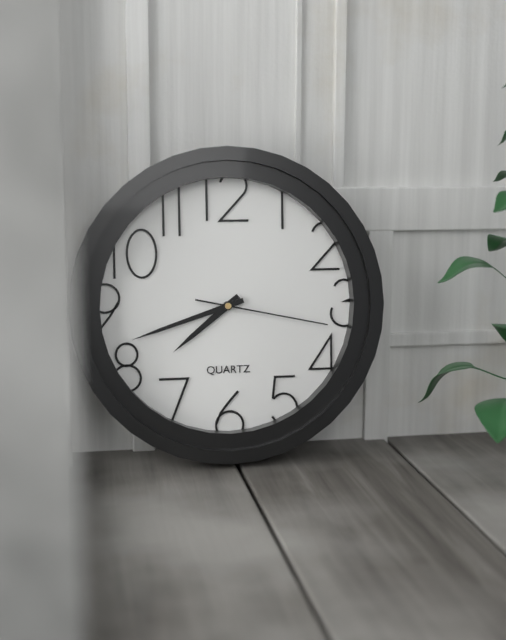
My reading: 7:42:17
